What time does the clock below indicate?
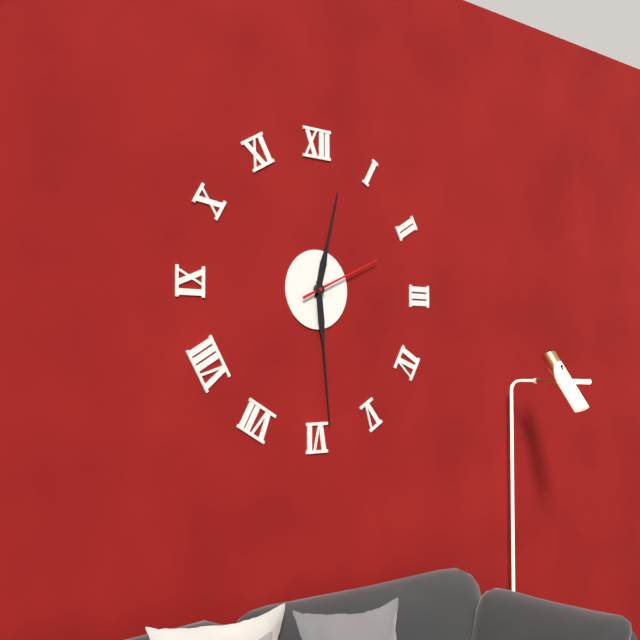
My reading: 12:29:11
